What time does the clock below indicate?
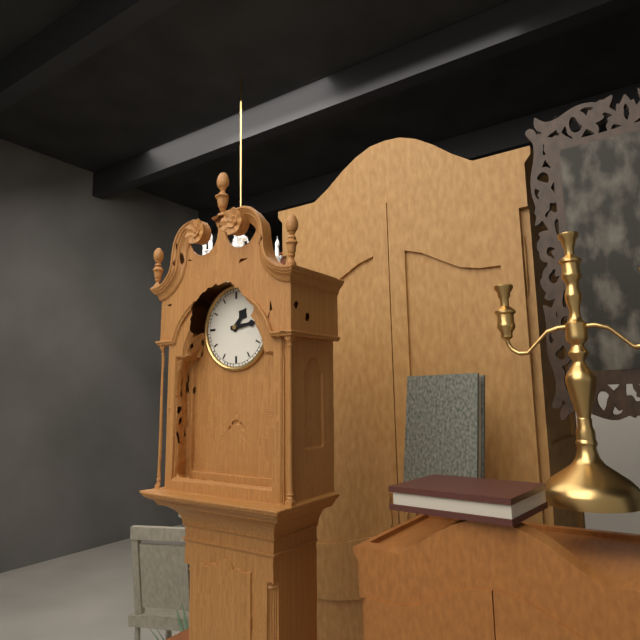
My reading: 1:14
